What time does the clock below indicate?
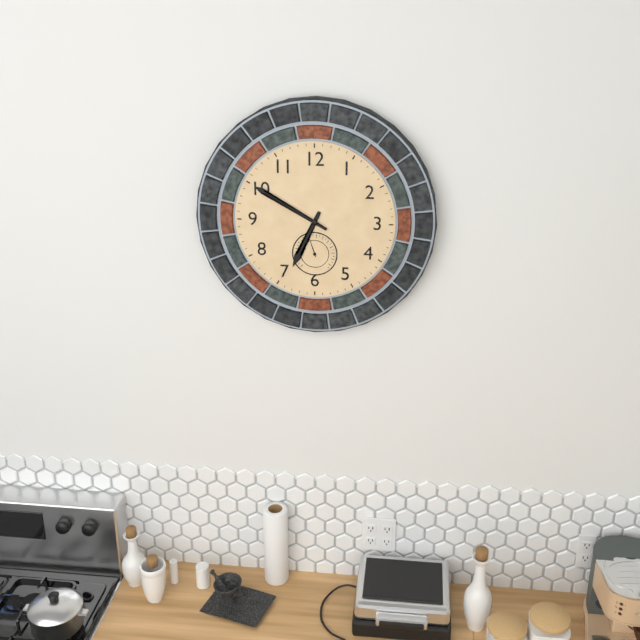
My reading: 6:50
